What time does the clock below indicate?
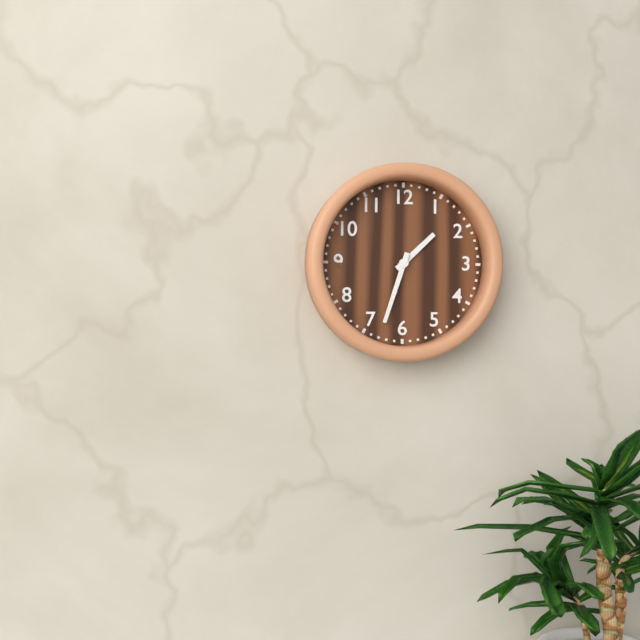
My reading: 1:33
